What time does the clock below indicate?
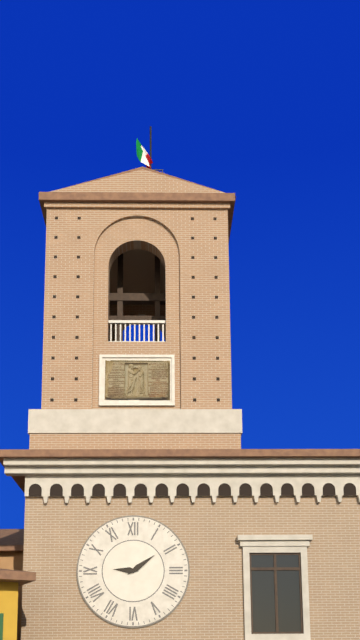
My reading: 9:09
